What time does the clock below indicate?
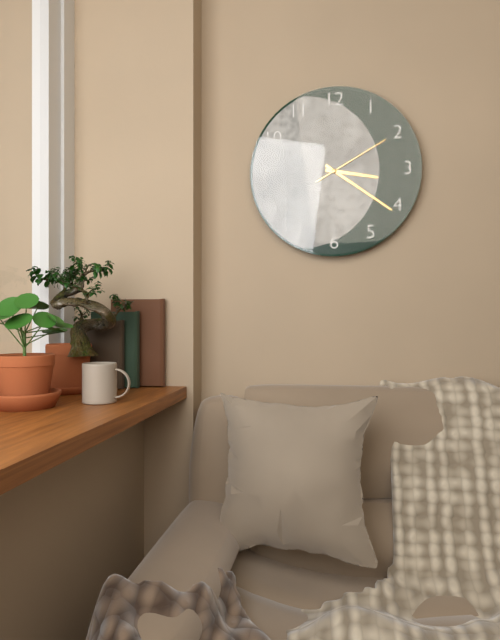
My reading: 3:21:10
